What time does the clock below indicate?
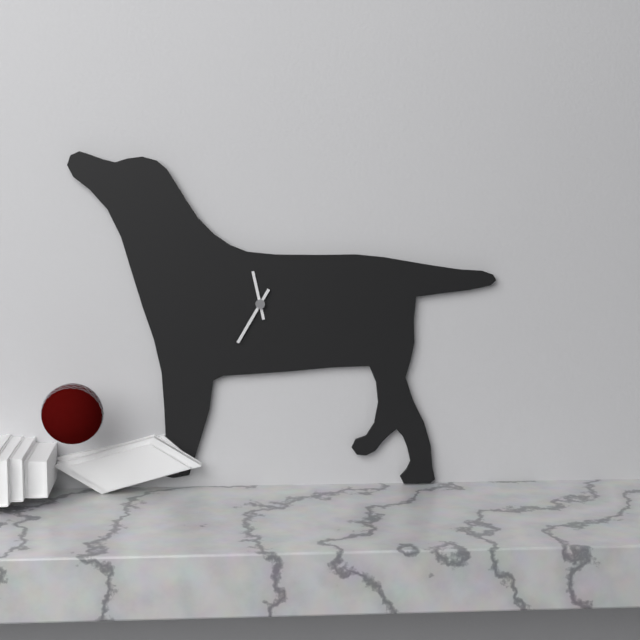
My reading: 11:35
